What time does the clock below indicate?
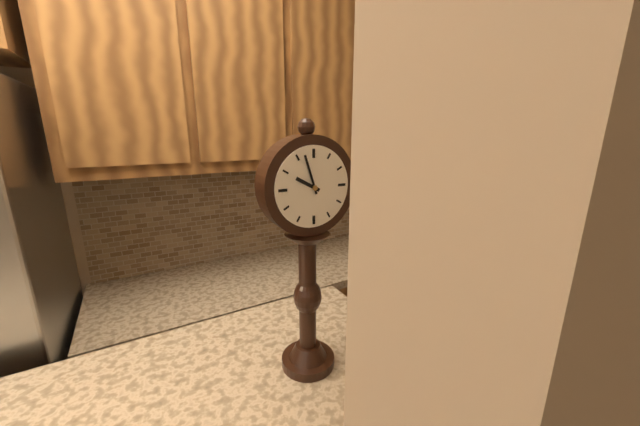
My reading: 9:57
